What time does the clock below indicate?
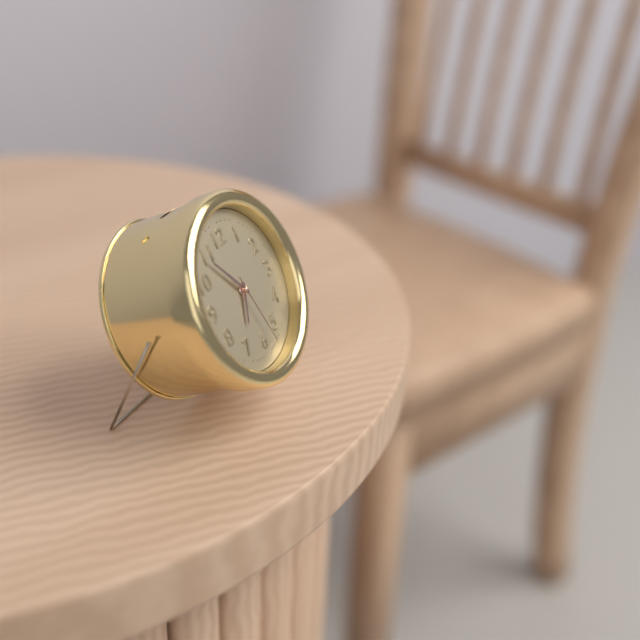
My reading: 6:54:28
